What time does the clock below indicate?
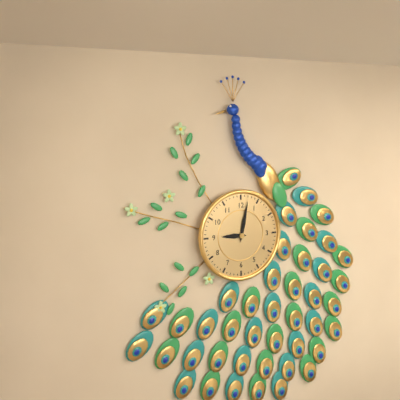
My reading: 9:02
